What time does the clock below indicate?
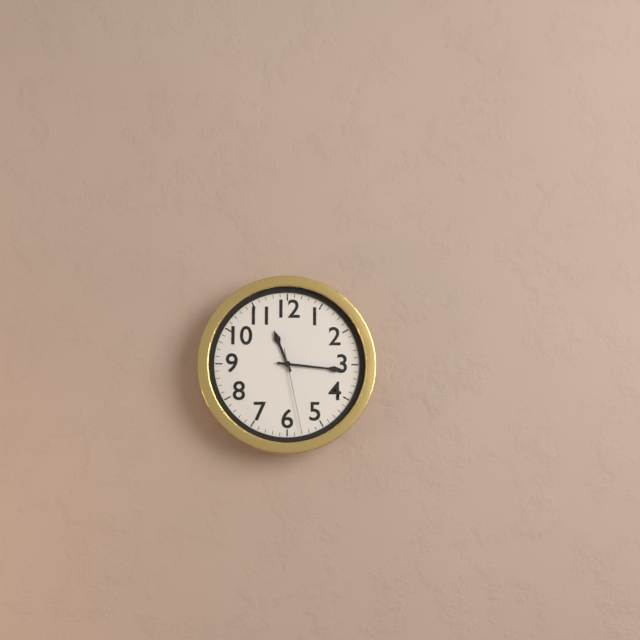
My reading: 11:16:28
